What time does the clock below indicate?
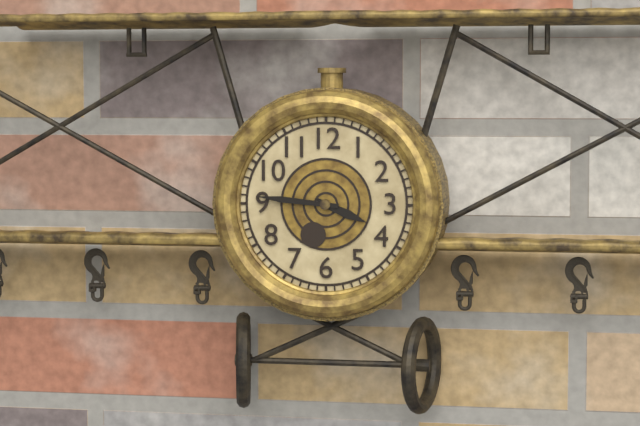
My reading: 3:46
